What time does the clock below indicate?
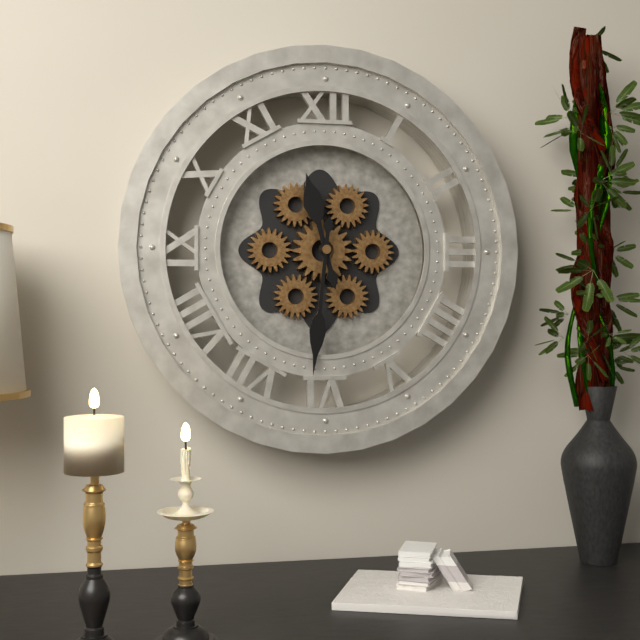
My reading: 11:31
